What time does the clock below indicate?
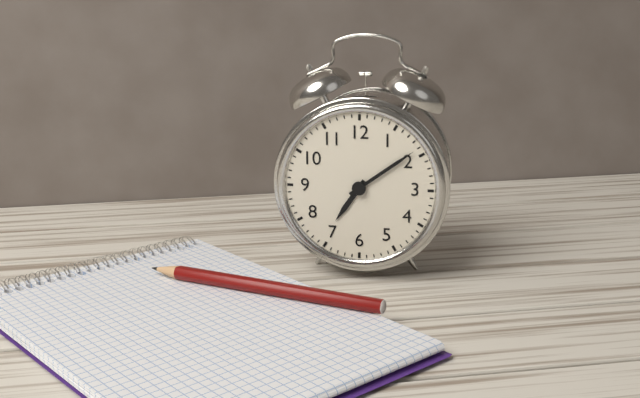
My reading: 7:09
